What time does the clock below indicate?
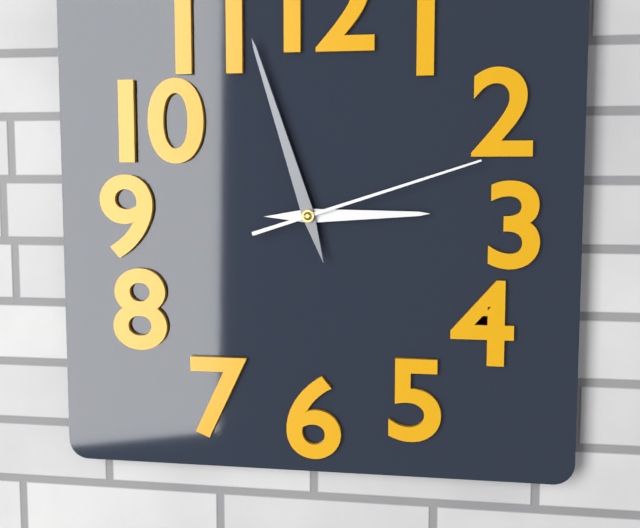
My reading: 2:57:12
